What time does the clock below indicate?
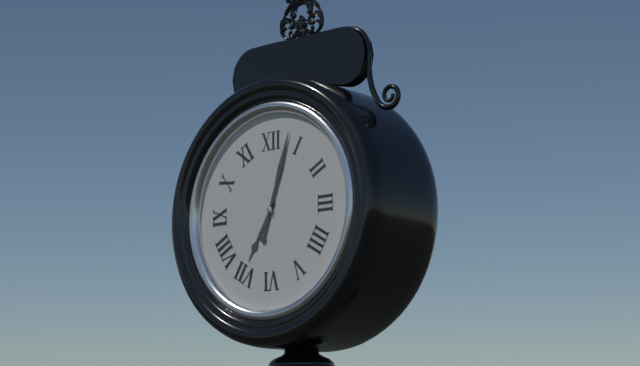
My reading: 7:03
